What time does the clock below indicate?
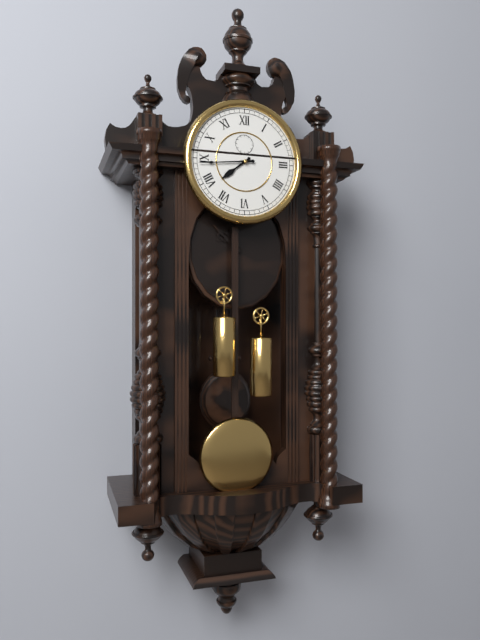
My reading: 7:44
